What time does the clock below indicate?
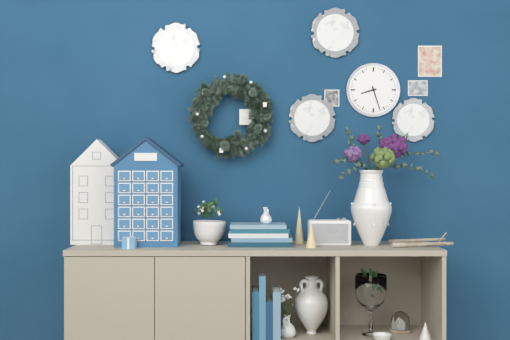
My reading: 8:27
